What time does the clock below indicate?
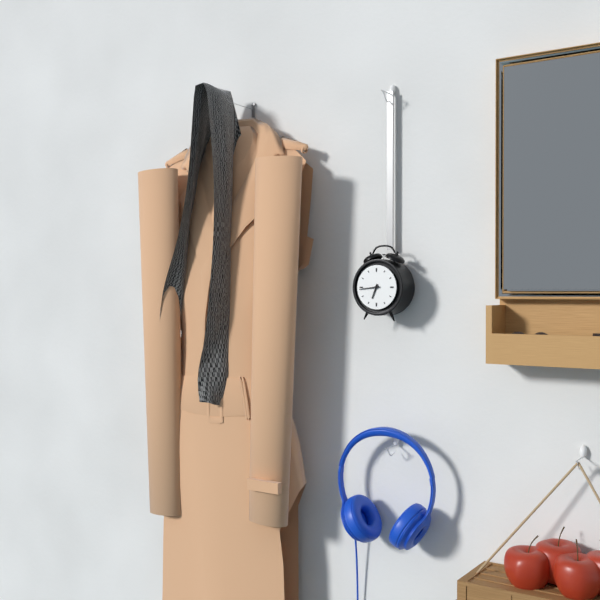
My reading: 6:44
